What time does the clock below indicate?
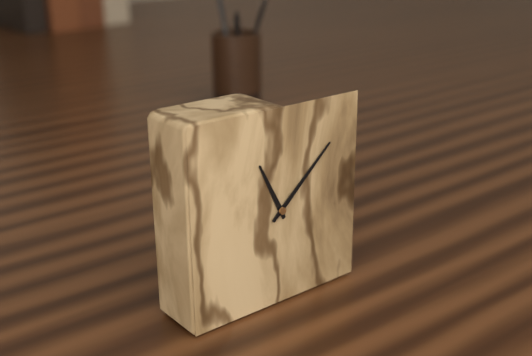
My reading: 11:08
